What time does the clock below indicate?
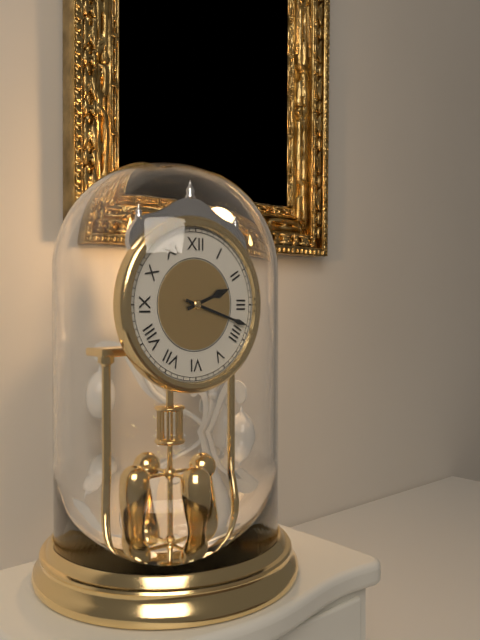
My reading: 2:18
